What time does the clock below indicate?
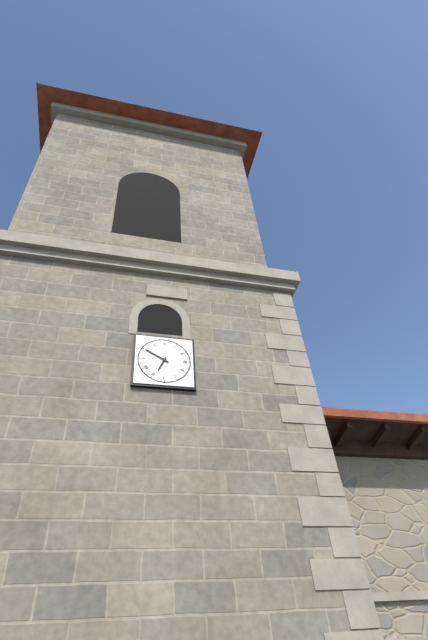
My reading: 6:50
